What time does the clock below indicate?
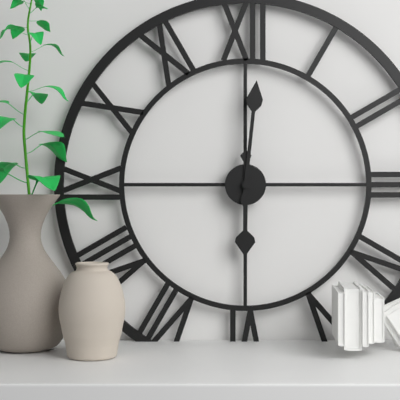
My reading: 6:01
